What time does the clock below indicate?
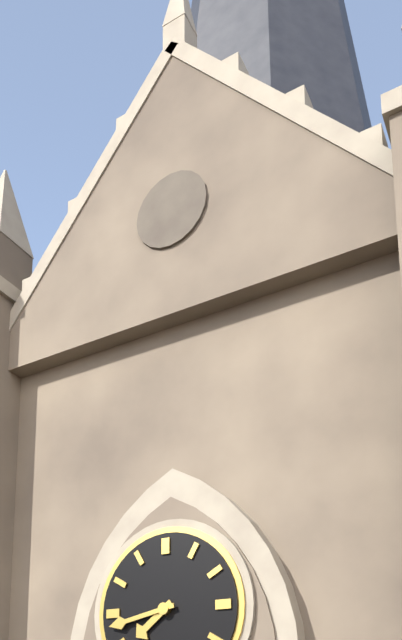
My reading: 7:43
